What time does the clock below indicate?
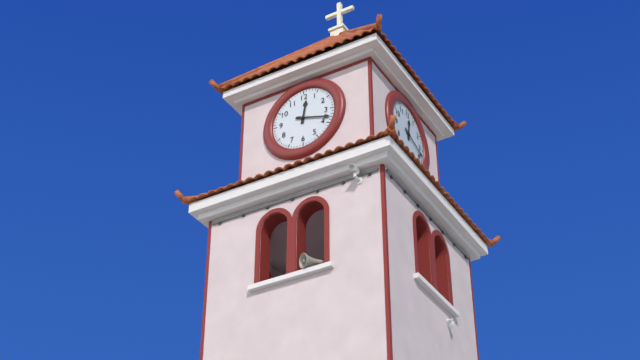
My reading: 12:18
